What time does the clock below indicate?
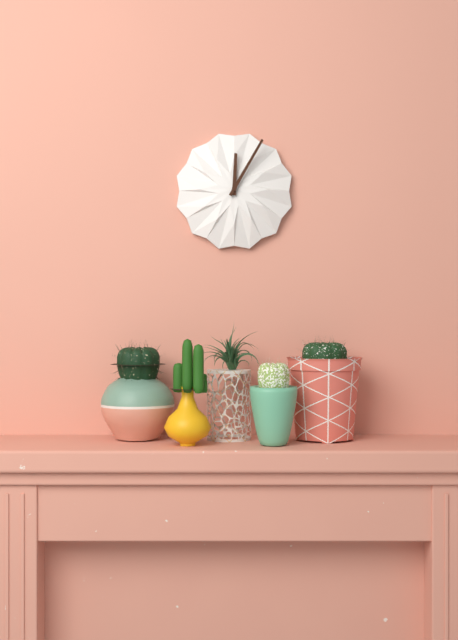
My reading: 12:05
